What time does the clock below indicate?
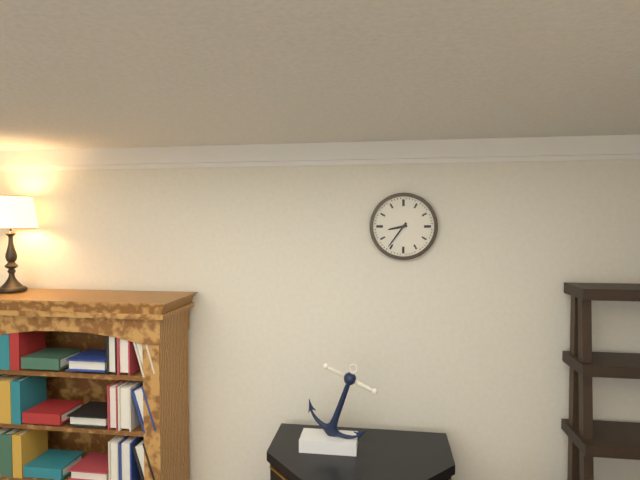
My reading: 8:36
